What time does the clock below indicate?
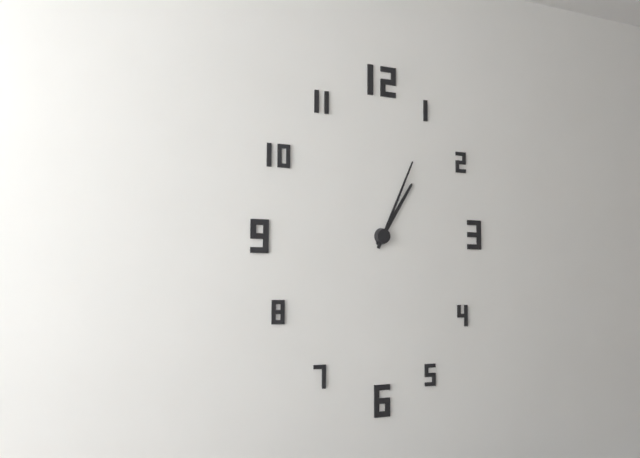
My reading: 1:04
